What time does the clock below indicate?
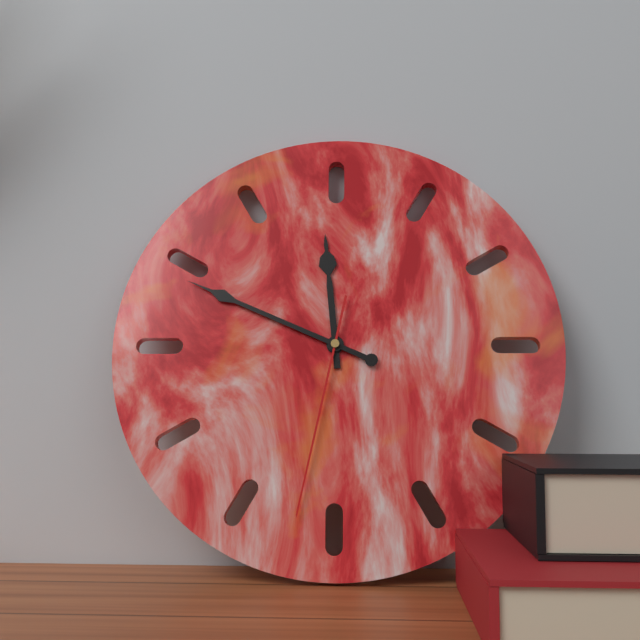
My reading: 11:49:32
